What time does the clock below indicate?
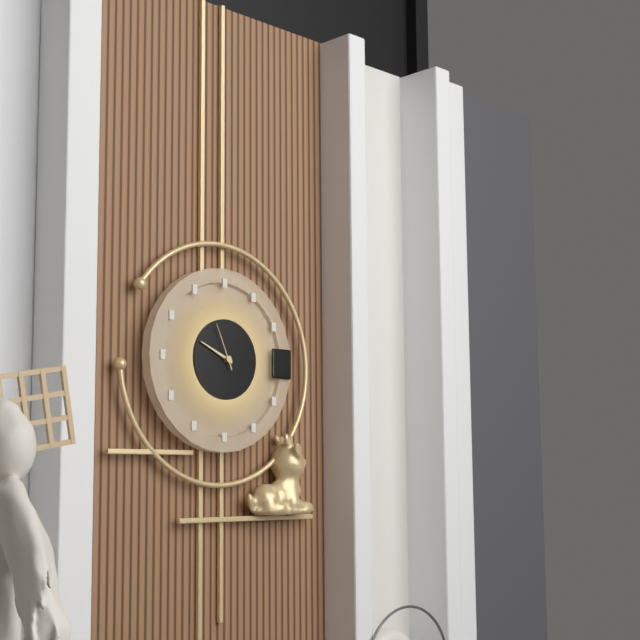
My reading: 9:49
